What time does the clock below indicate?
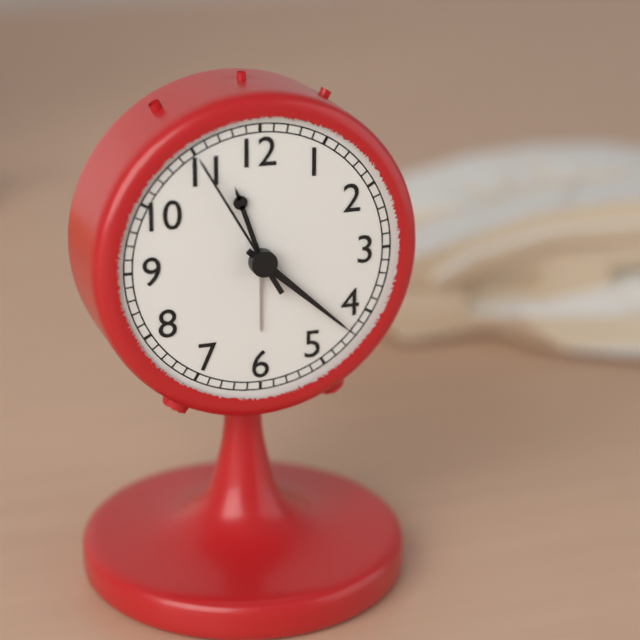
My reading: 11:22:55
